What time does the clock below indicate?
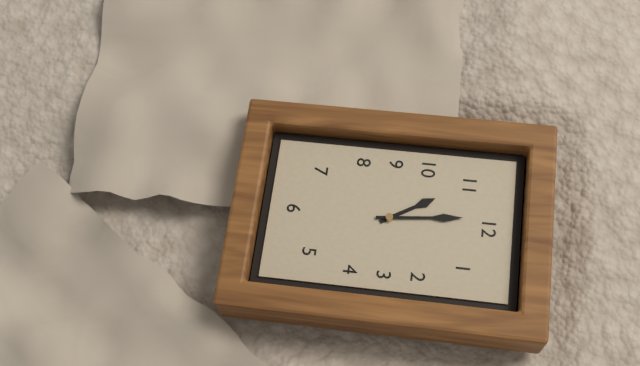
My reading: 10:59
